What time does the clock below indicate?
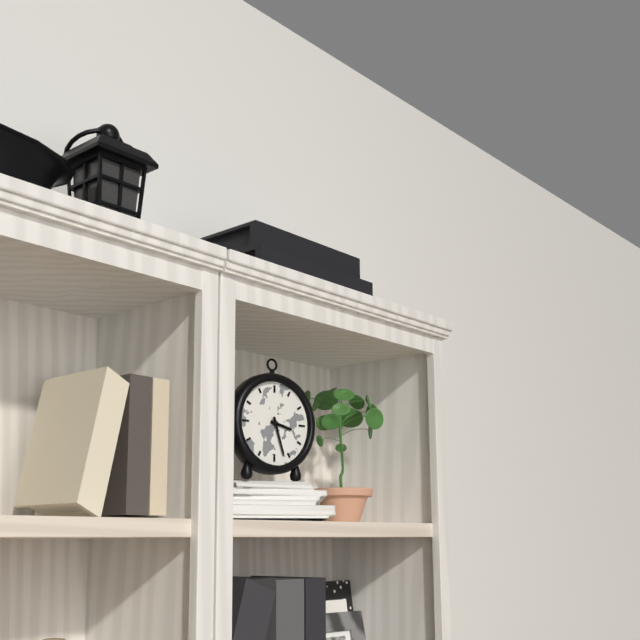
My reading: 3:27
